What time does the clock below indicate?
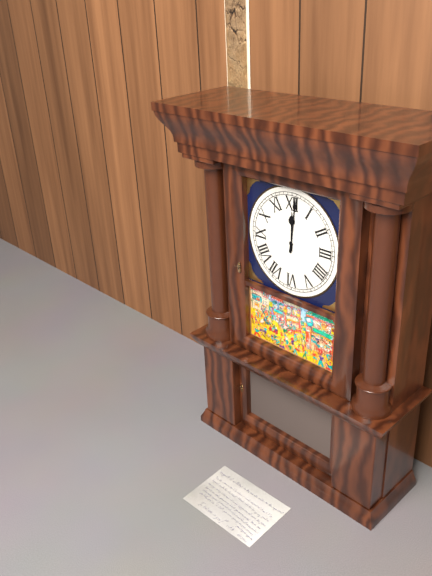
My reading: 12:01
